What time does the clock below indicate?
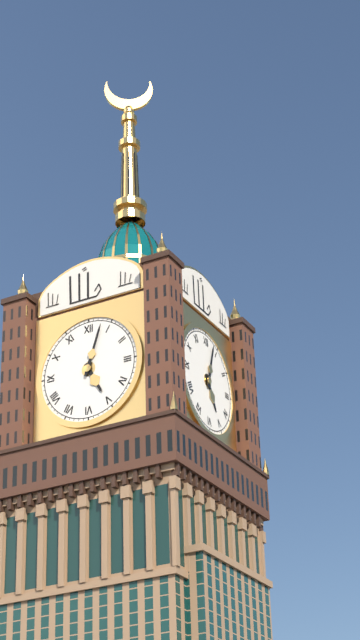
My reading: 5:03
